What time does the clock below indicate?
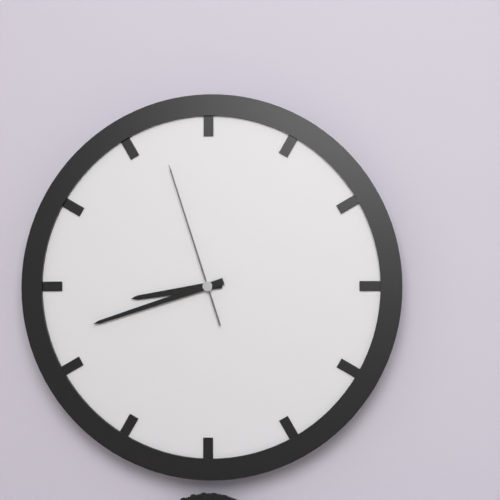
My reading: 8:42:57
